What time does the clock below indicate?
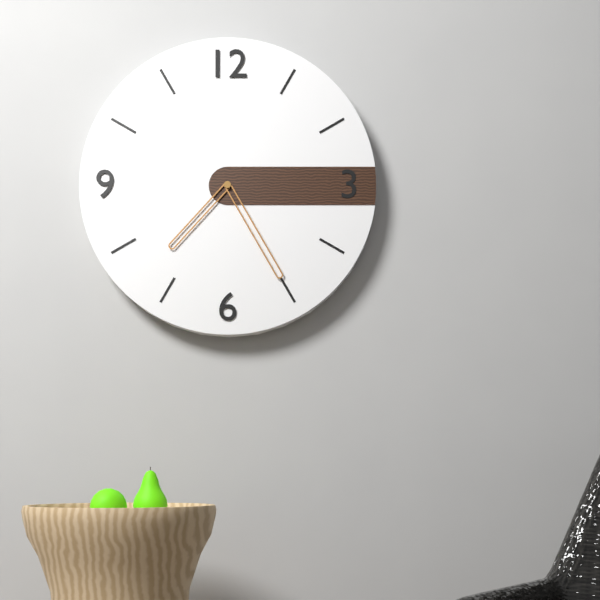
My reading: 7:25
